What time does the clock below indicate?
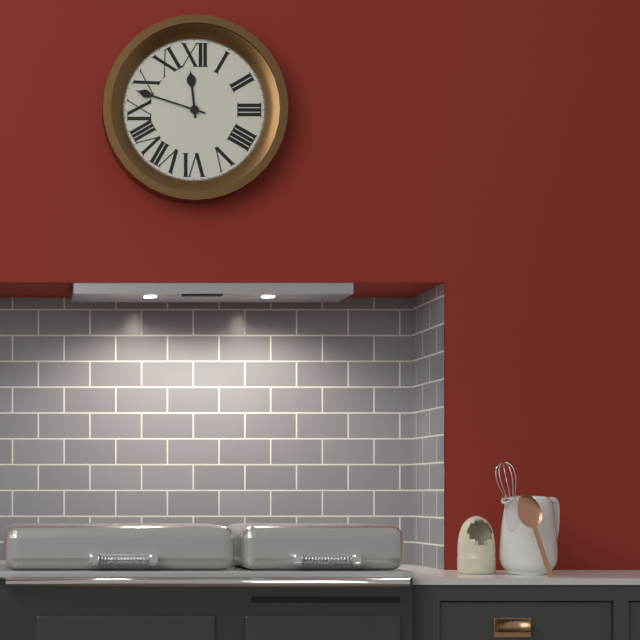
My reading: 11:48
